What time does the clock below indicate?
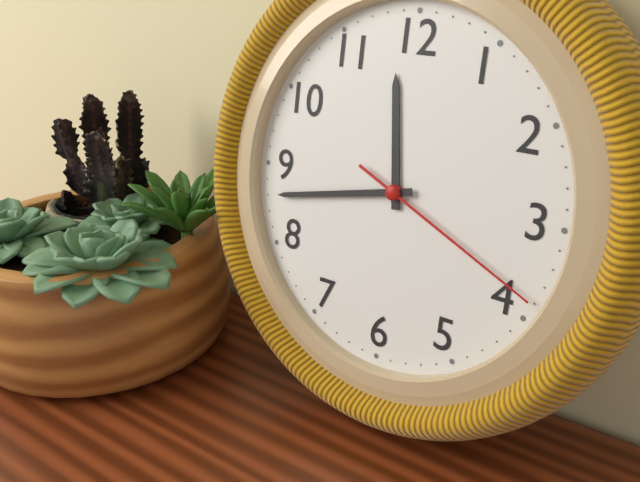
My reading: 11:43:19
